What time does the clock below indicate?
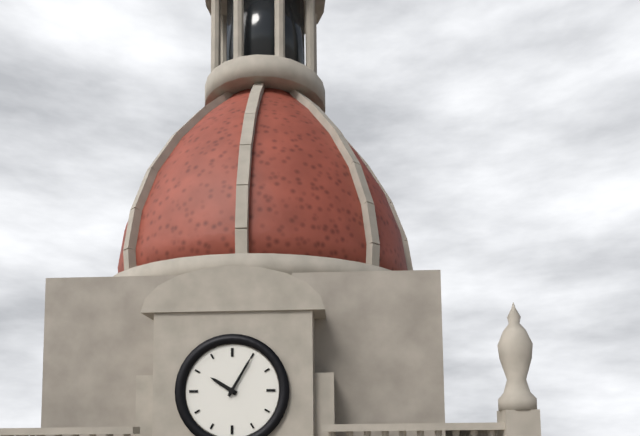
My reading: 10:05
